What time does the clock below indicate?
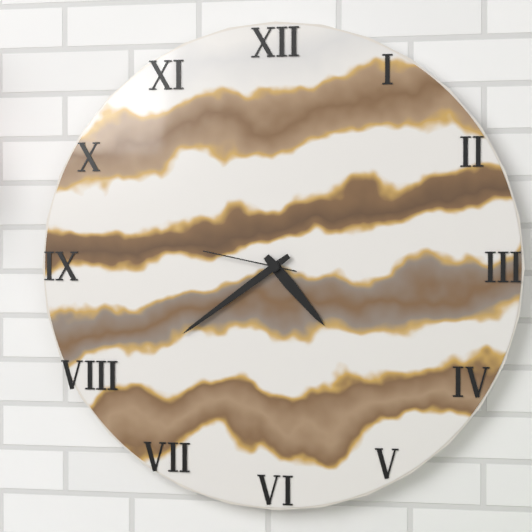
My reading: 4:39:47
